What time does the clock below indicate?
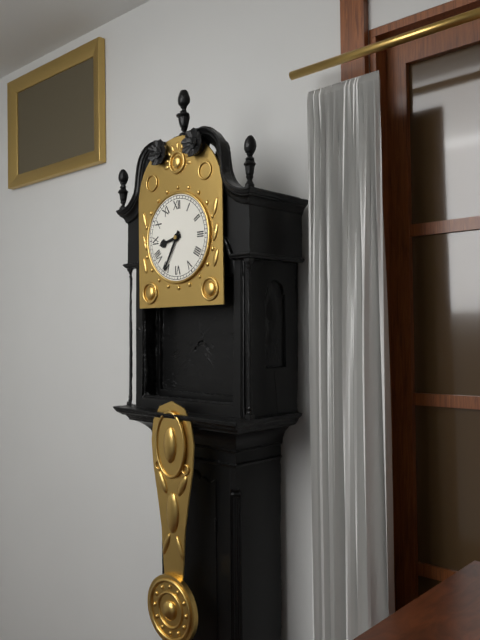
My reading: 8:35
